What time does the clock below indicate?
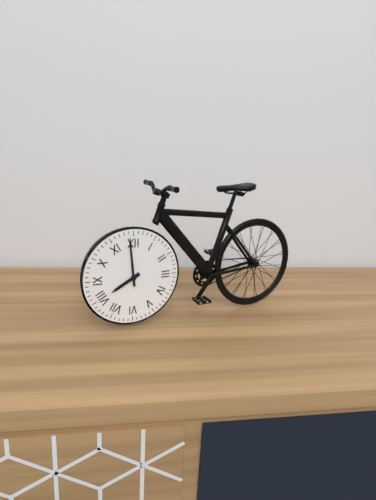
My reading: 7:59
